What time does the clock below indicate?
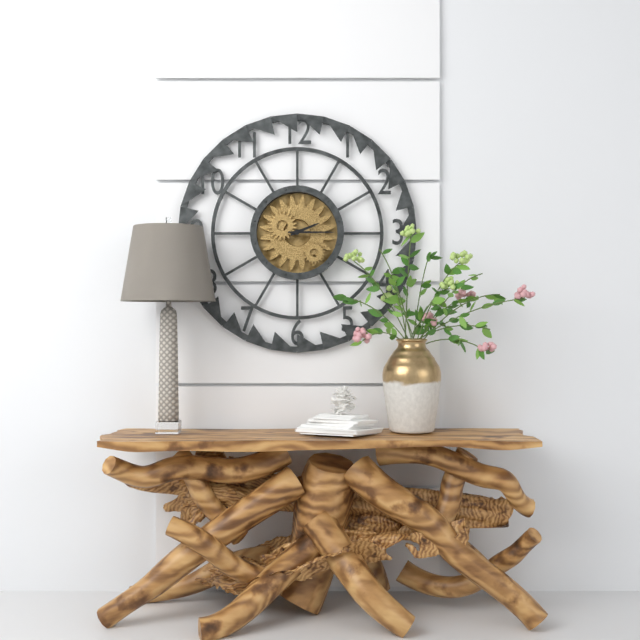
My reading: 2:15
